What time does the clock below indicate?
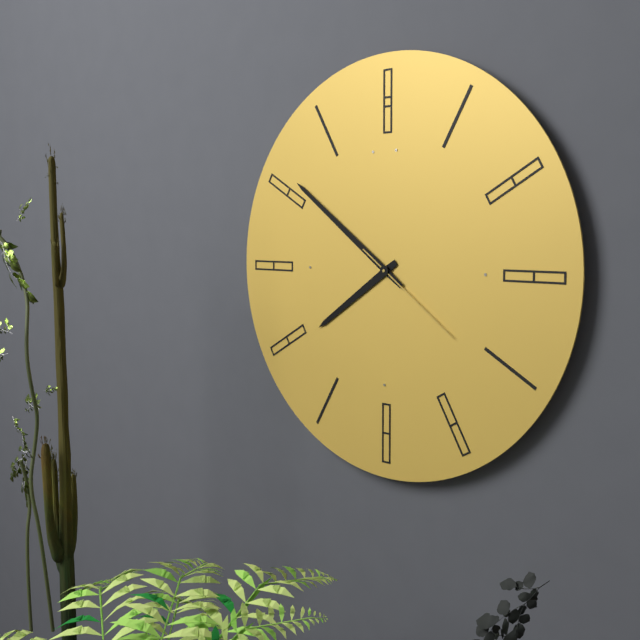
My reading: 7:51:21
